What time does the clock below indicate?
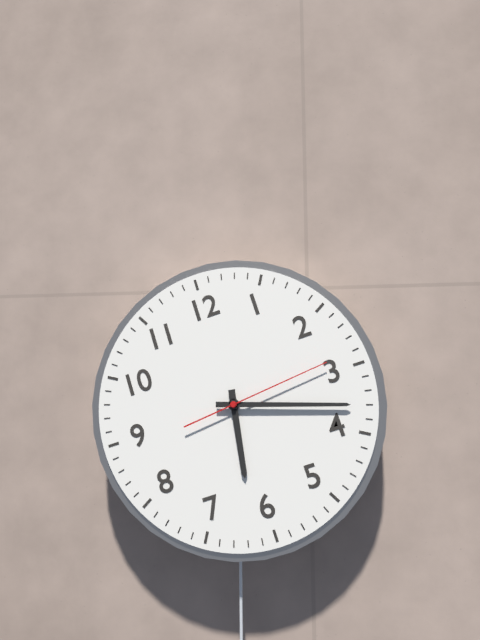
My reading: 6:18:14
